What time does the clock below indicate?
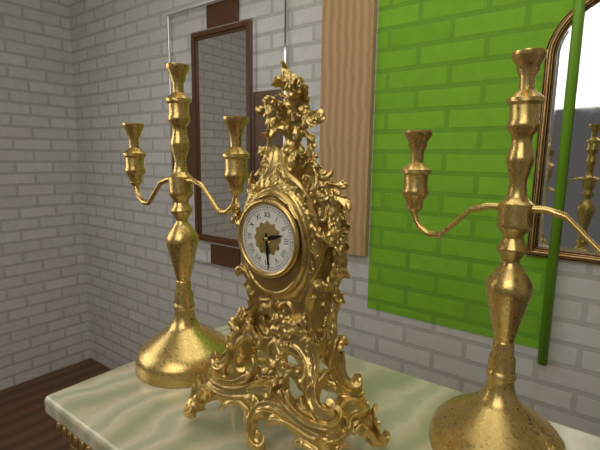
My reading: 2:29
